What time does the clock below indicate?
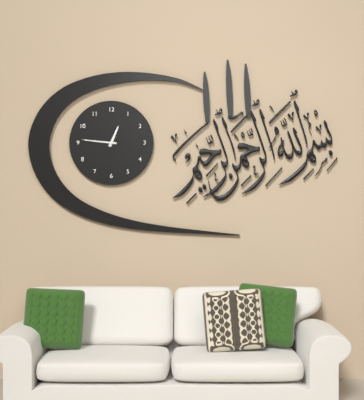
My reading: 12:46
